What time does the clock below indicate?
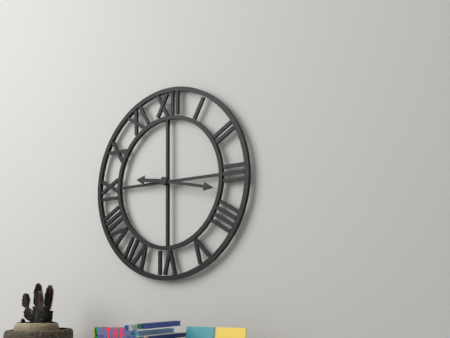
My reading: 9:17
